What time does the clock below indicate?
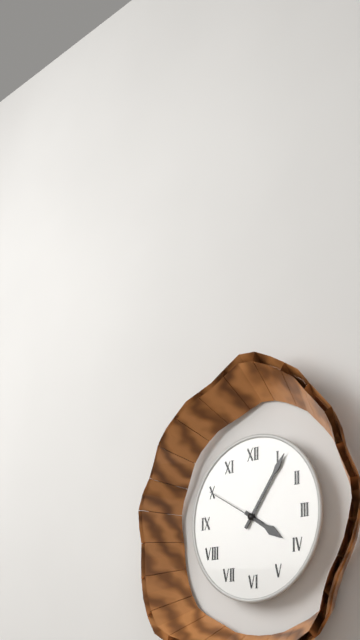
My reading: 4:06:50
